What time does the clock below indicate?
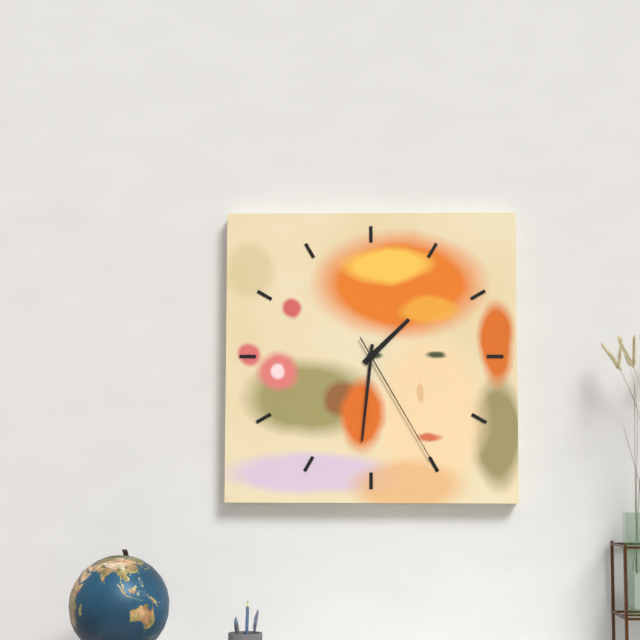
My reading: 1:31:25
